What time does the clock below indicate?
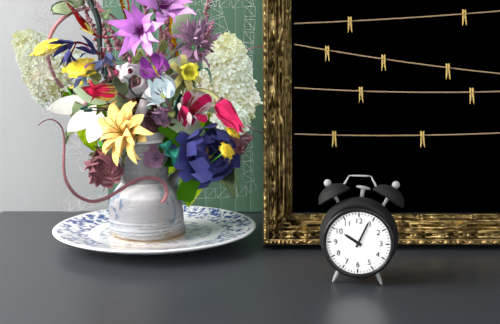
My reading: 10:04
